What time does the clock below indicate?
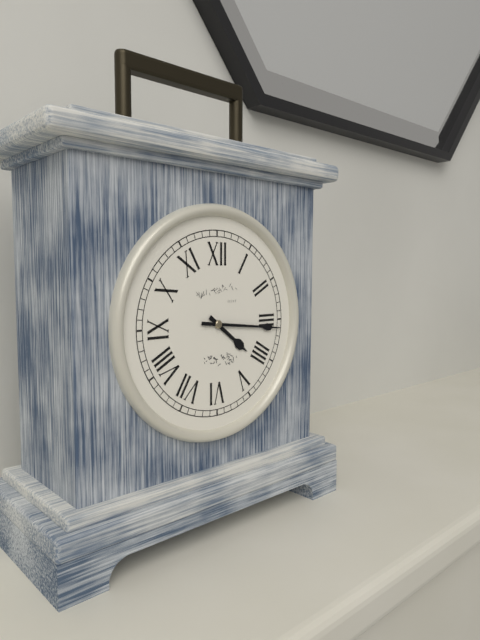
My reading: 4:16
